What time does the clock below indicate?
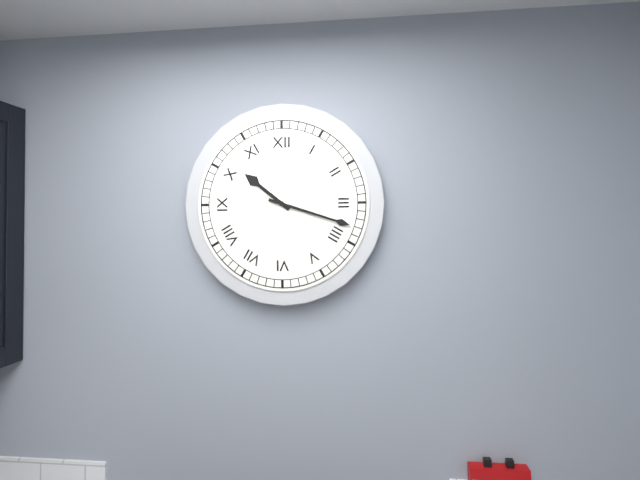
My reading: 10:18
